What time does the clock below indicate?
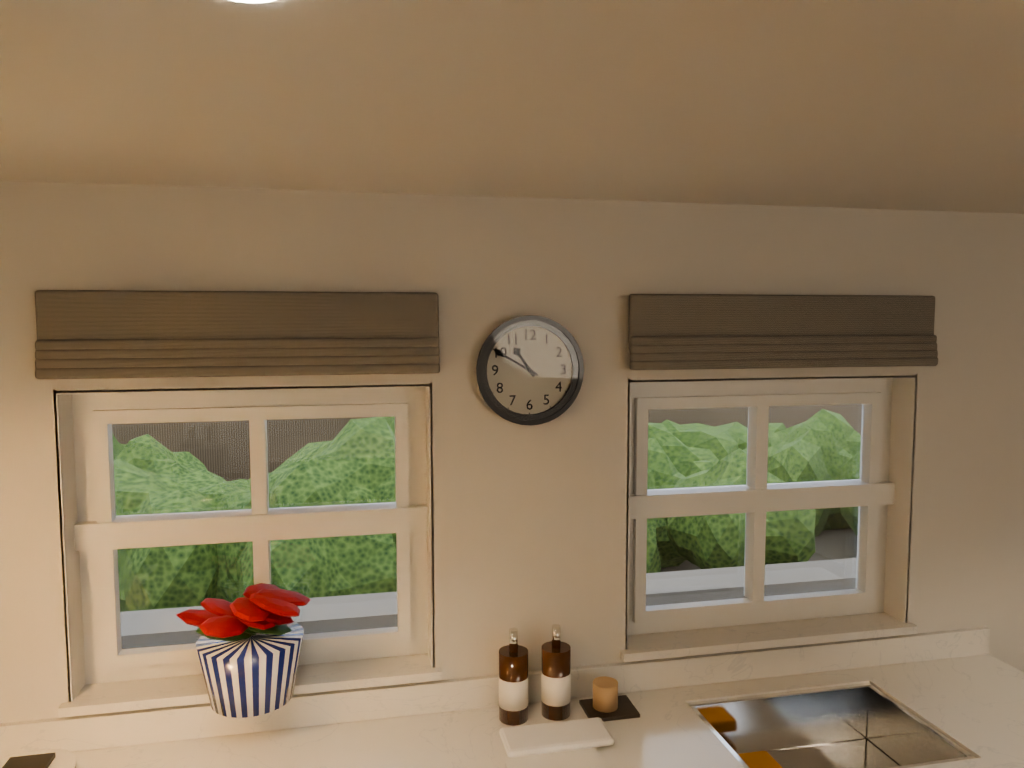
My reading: 10:50
